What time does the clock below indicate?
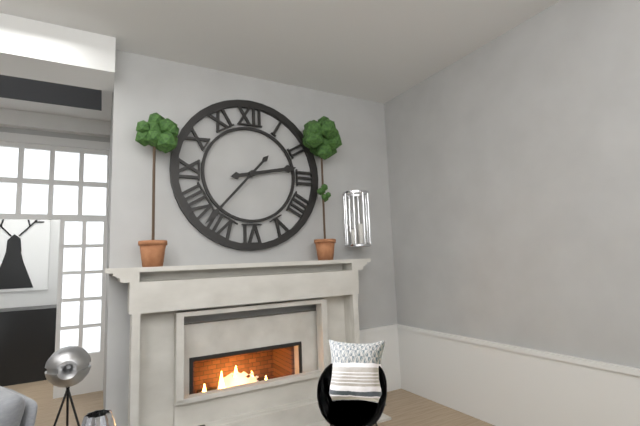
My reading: 2:37
